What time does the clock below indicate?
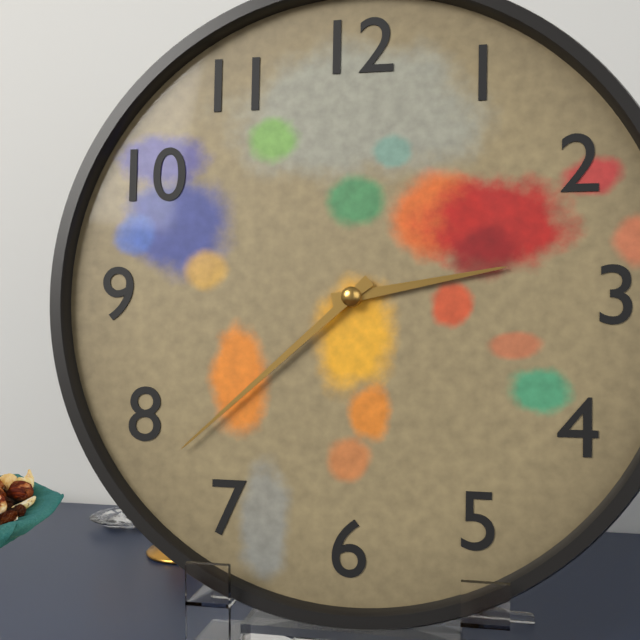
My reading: 2:38
